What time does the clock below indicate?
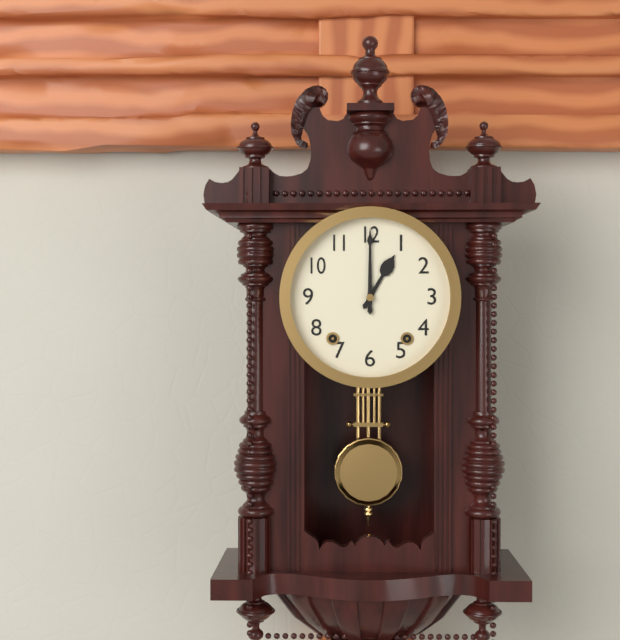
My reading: 1:00
